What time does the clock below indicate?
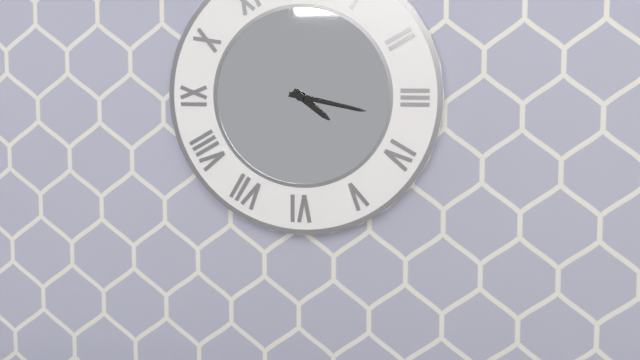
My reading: 4:17
